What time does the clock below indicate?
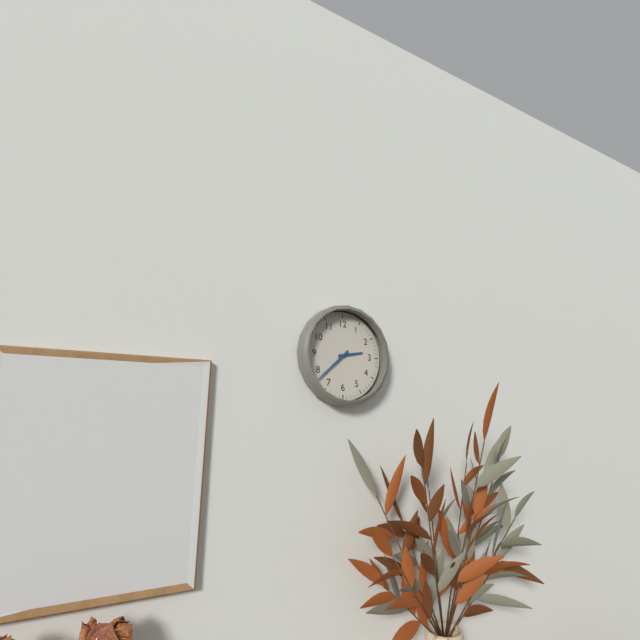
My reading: 2:38
